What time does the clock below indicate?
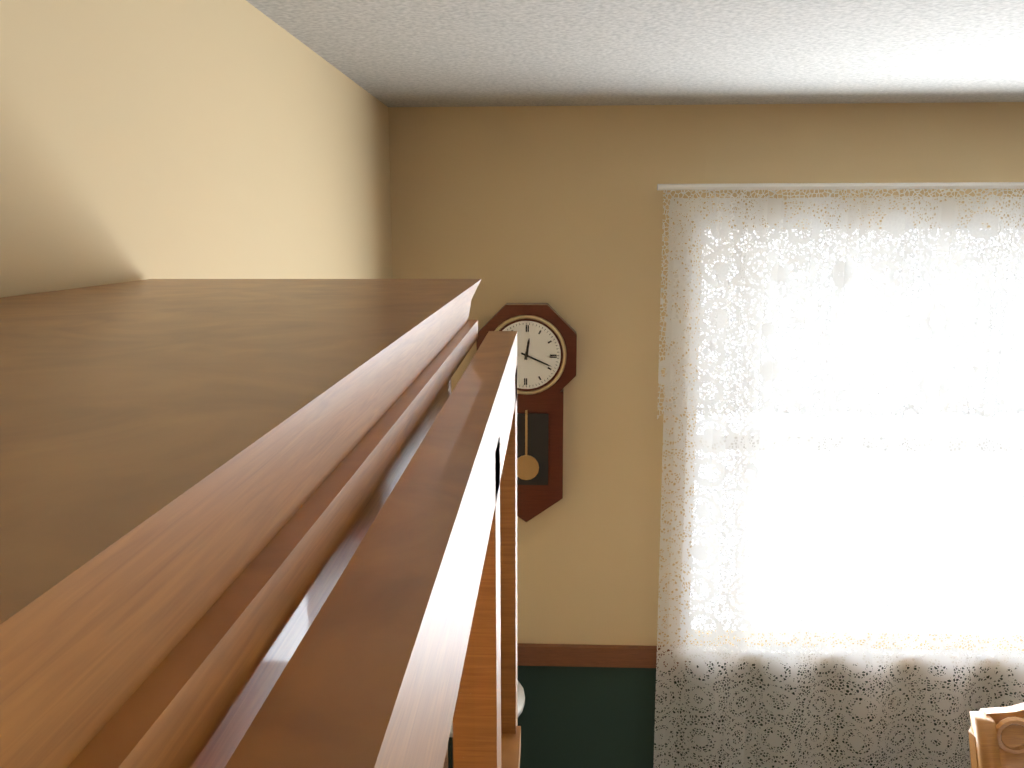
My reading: 12:19
